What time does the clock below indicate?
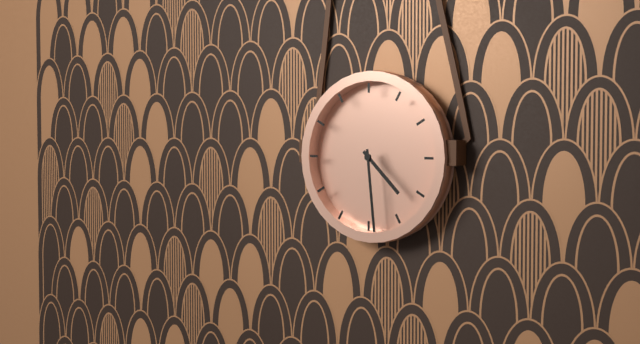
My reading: 4:29
